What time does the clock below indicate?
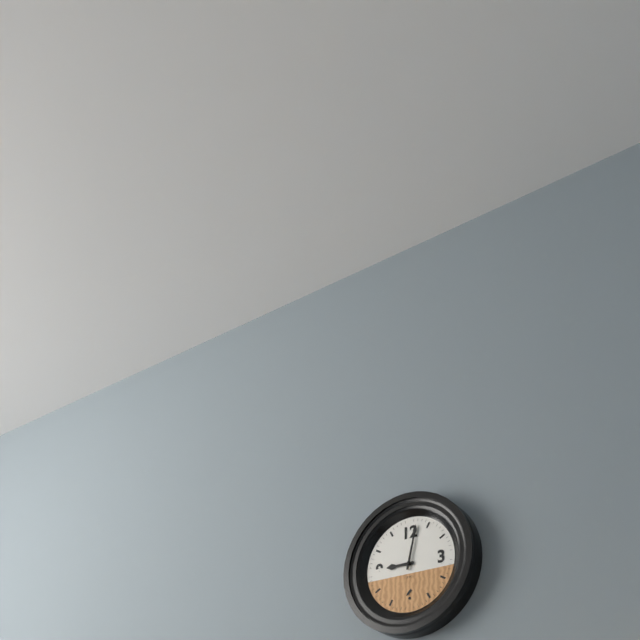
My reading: 9:02
